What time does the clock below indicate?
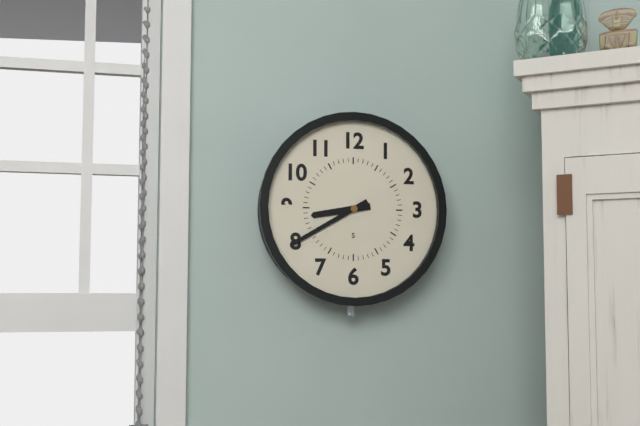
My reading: 8:40
